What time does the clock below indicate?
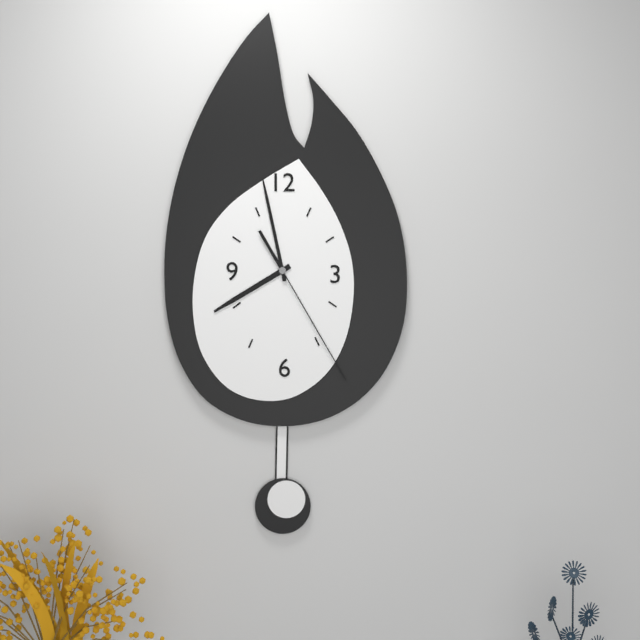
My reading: 7:58:25
